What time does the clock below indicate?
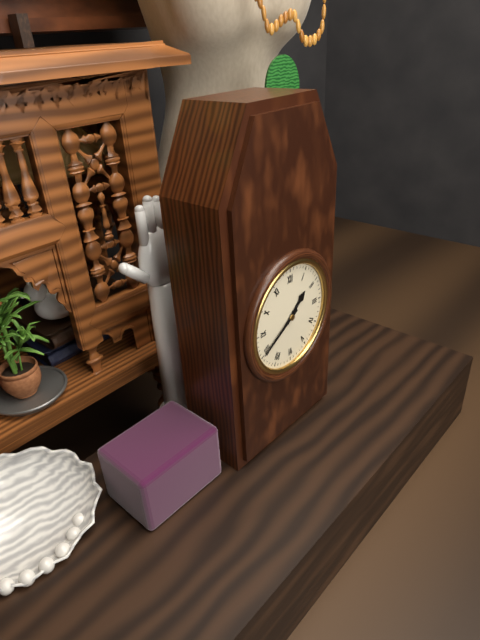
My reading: 1:40
